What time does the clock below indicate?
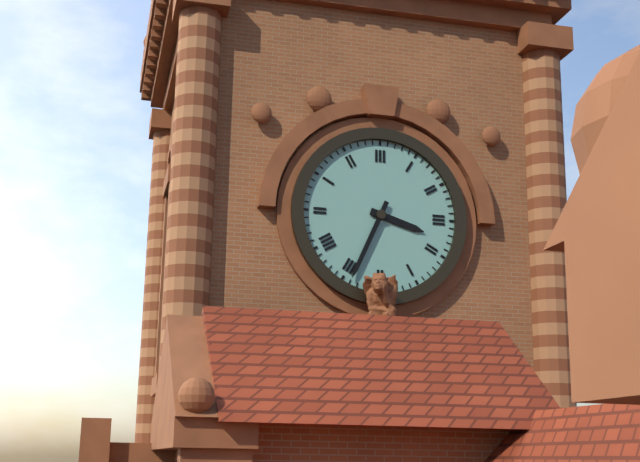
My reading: 3:34
